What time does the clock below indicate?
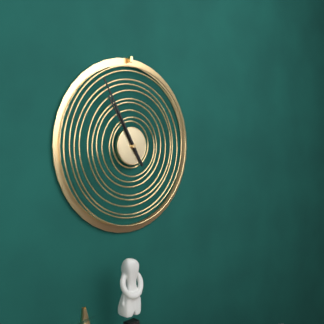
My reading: 10:55
